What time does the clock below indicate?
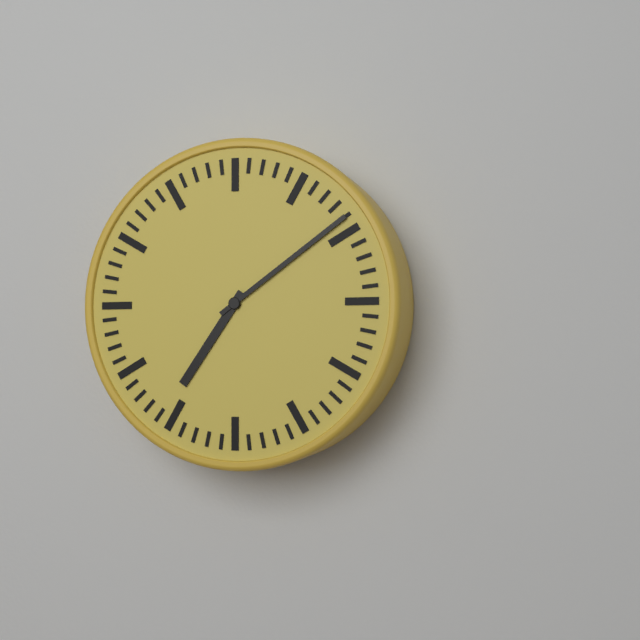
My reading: 7:09
